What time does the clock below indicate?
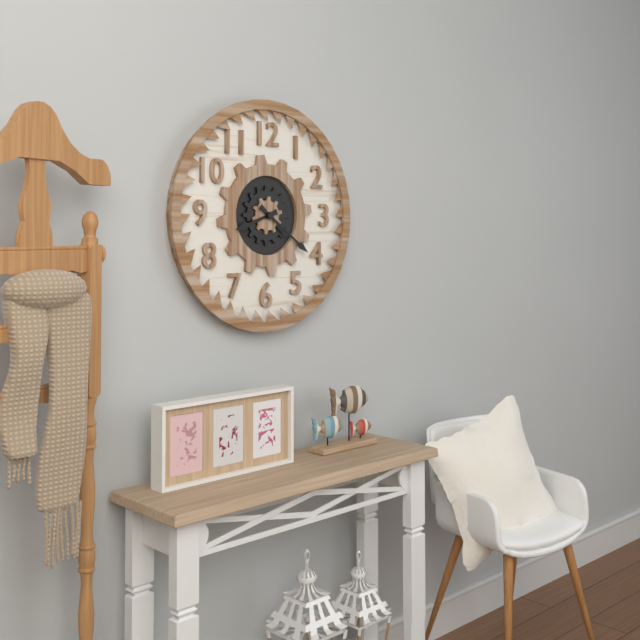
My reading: 8:21
